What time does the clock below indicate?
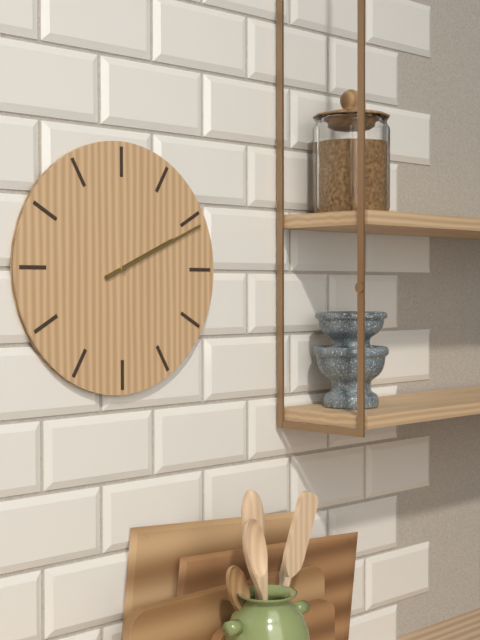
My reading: 2:11
